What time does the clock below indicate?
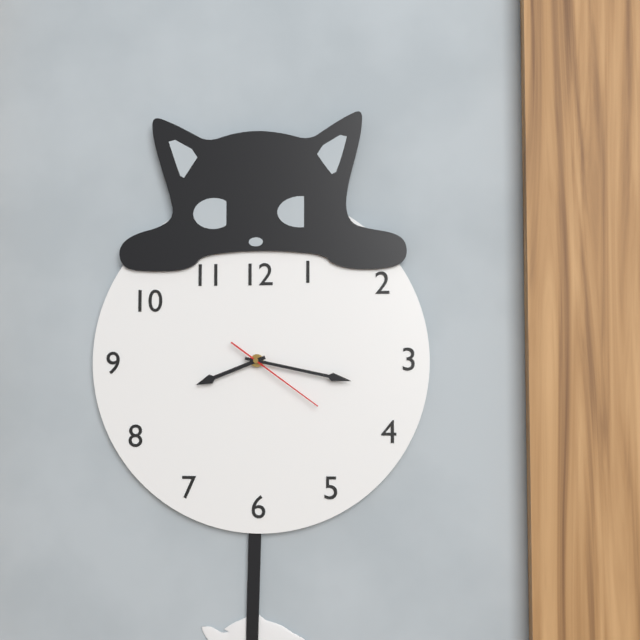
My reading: 8:17:21
